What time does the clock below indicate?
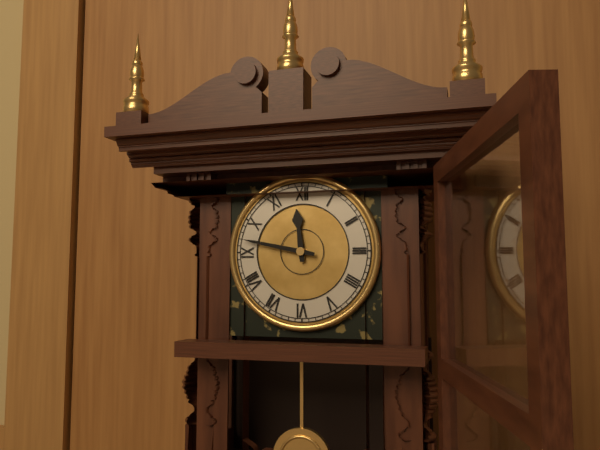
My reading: 11:47
